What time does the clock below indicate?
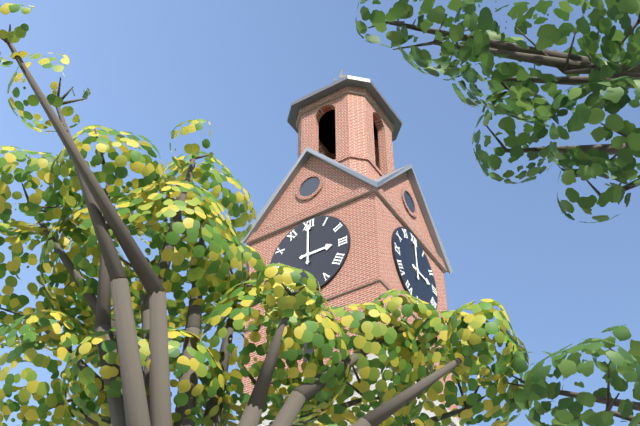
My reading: 3:00
